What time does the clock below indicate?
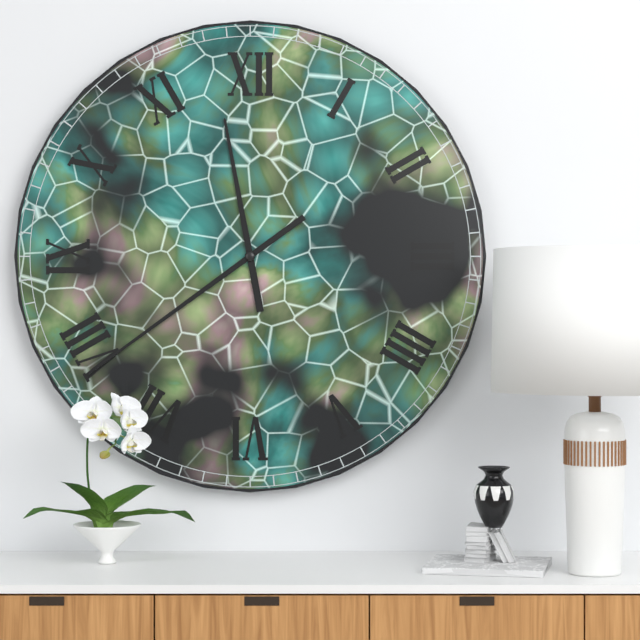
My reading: 11:39
